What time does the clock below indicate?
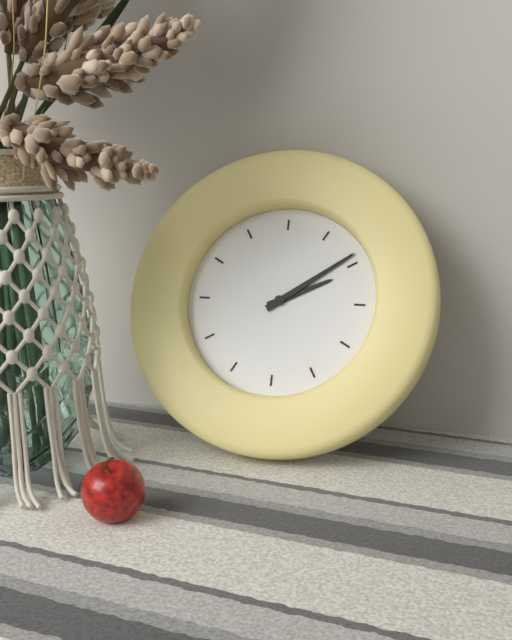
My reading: 2:09
